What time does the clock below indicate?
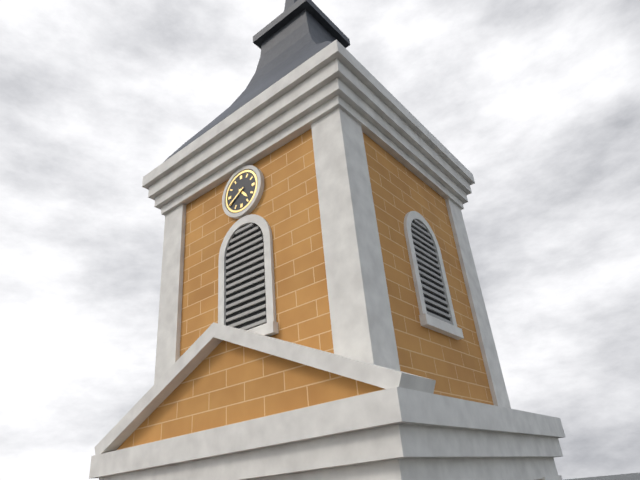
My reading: 4:40
